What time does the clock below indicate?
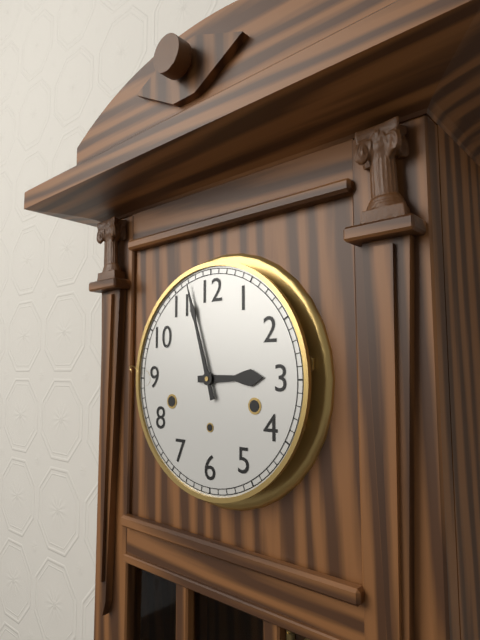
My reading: 2:57
